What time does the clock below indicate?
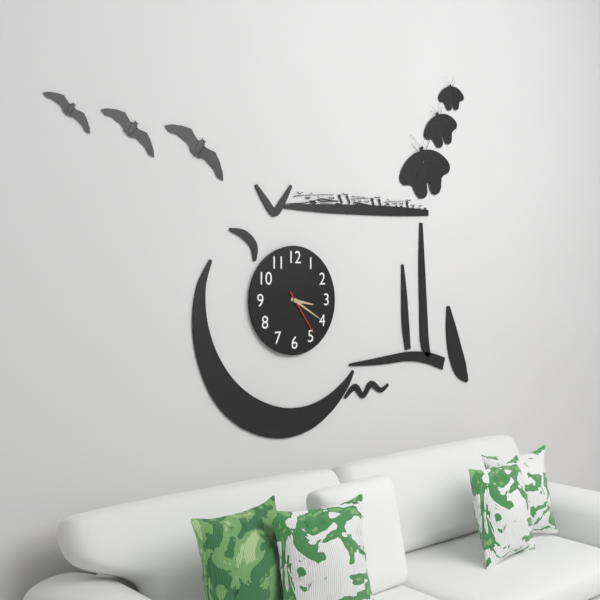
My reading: 3:20
